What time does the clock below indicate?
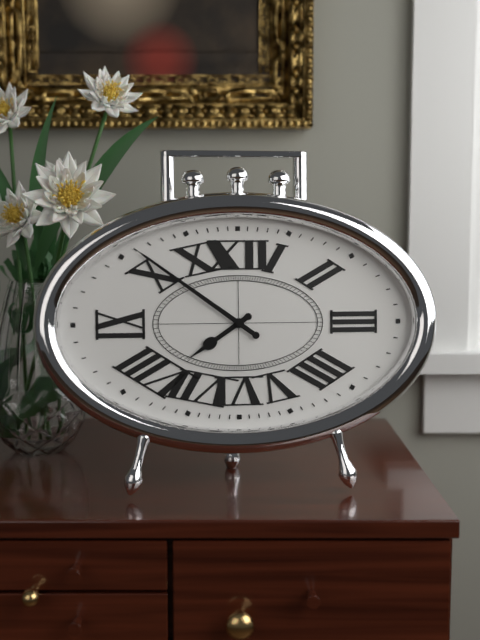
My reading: 7:51
